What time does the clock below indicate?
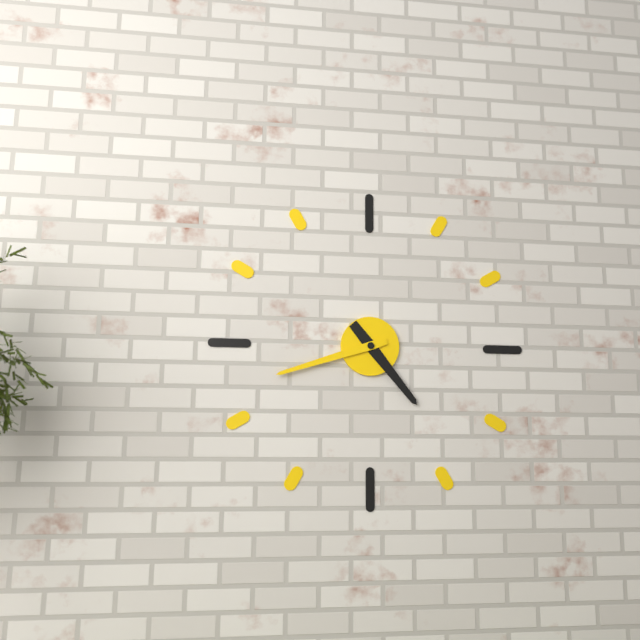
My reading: 4:42
